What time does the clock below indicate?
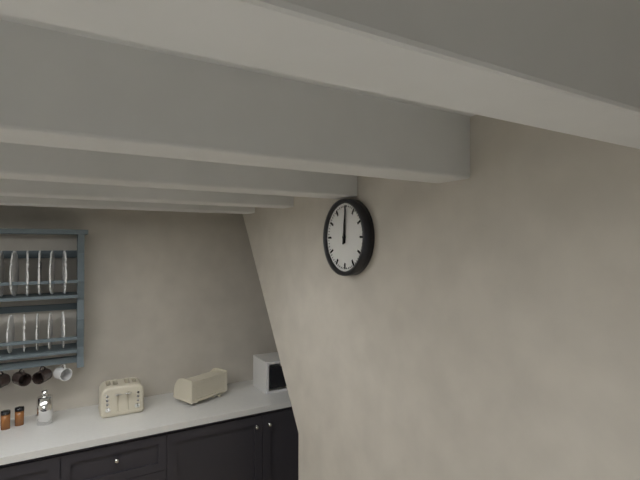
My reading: 12:01
